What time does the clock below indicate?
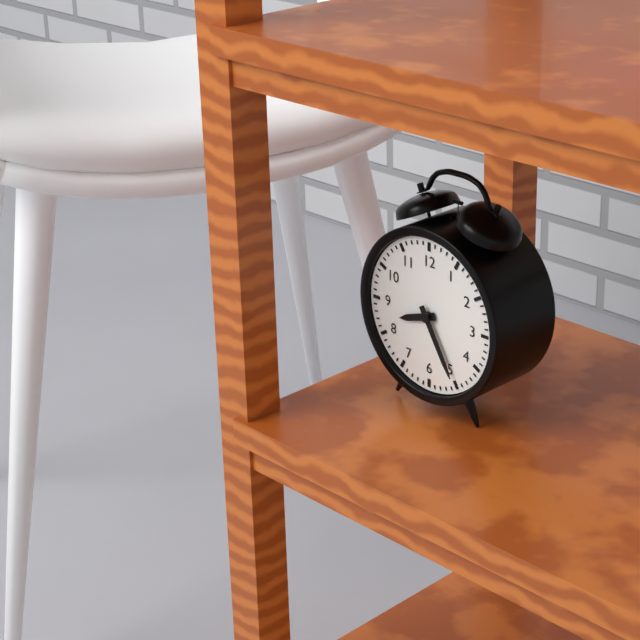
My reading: 8:25
